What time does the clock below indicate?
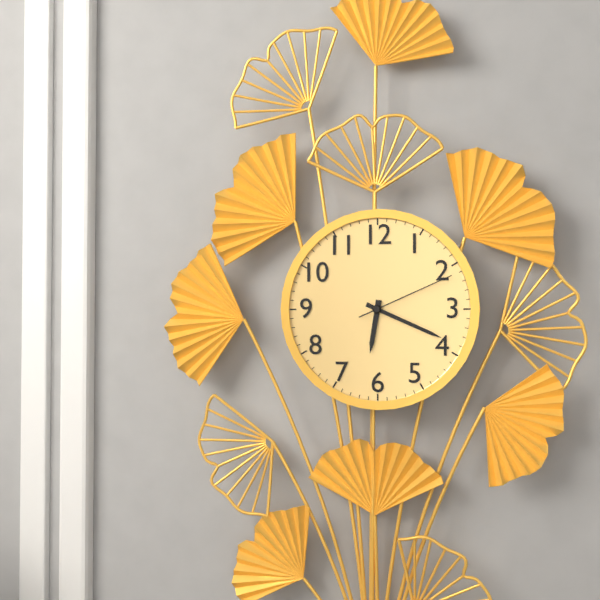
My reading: 6:19:11
